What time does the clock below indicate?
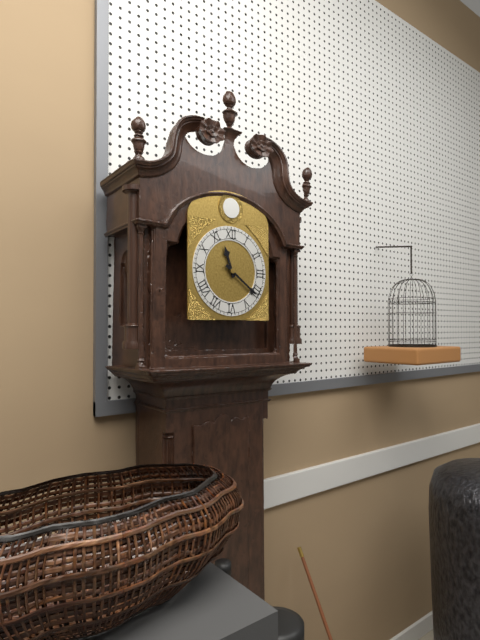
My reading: 11:21
